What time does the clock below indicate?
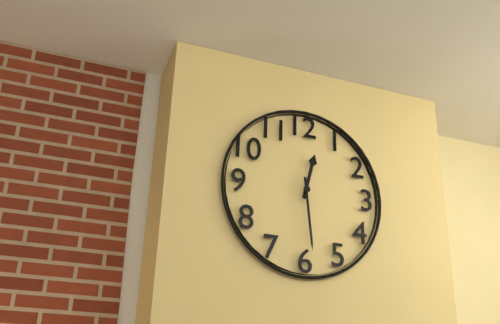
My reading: 12:29
